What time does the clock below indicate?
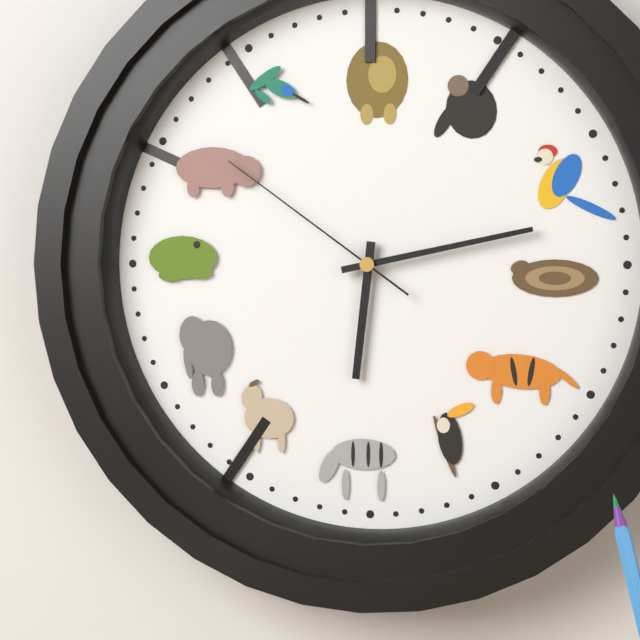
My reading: 6:13:51
